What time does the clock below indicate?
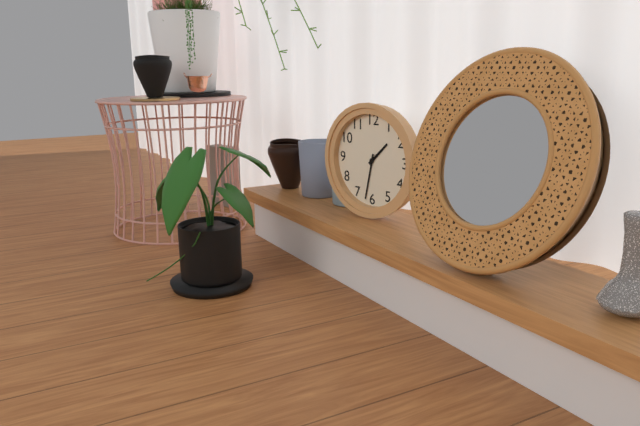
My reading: 1:32
